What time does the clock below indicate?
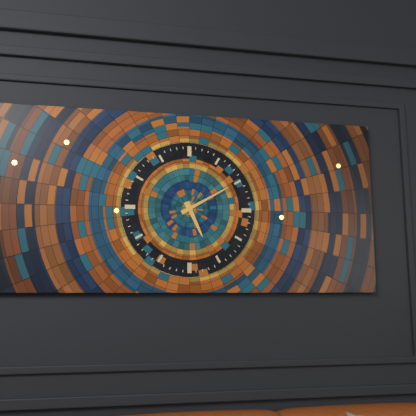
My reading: 5:10
